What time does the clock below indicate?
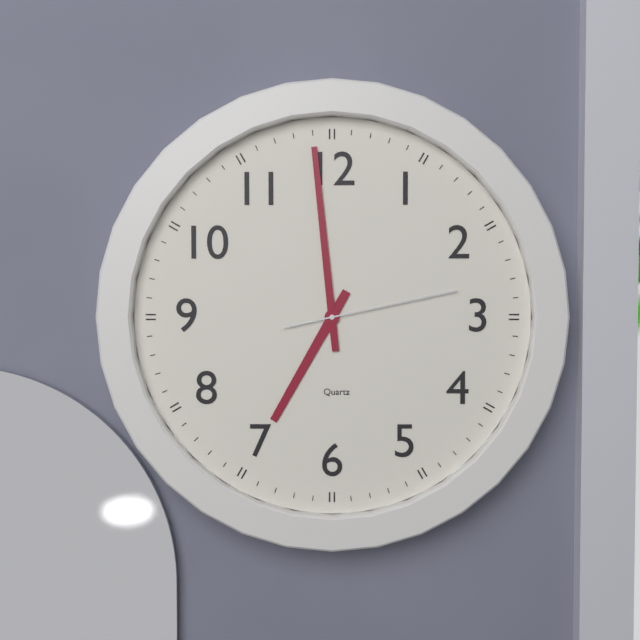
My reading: 6:59:13
